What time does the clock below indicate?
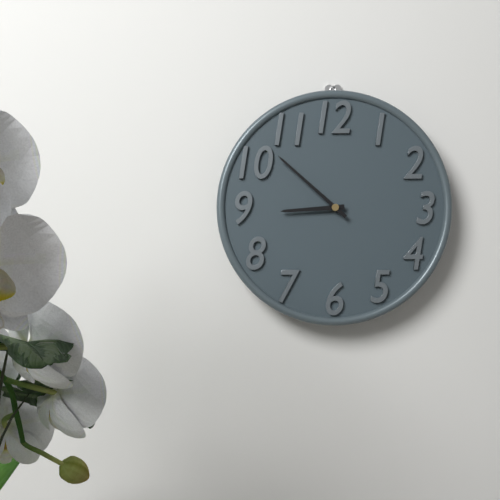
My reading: 8:52
